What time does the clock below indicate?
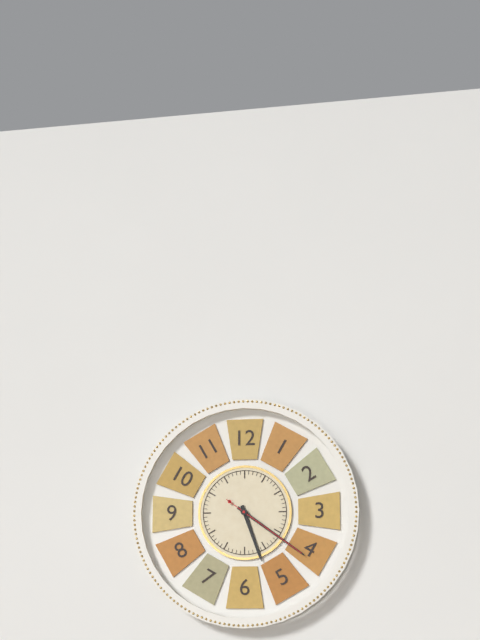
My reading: 5:21:21
